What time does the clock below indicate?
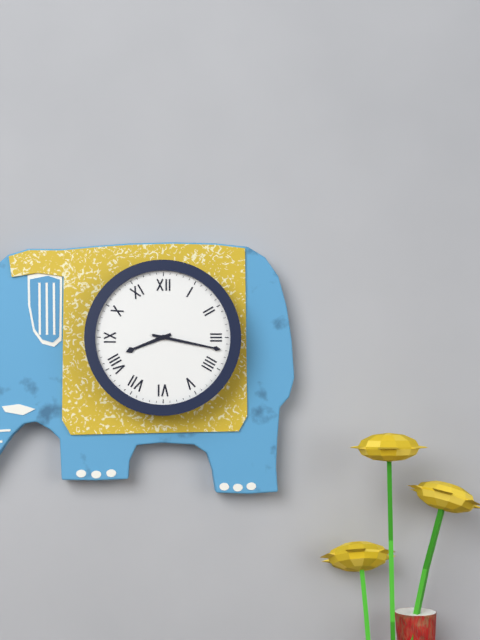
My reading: 8:17
